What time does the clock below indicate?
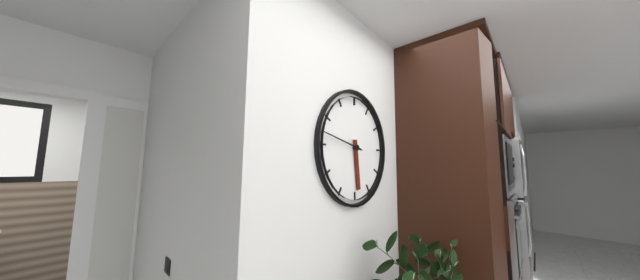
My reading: 5:47
